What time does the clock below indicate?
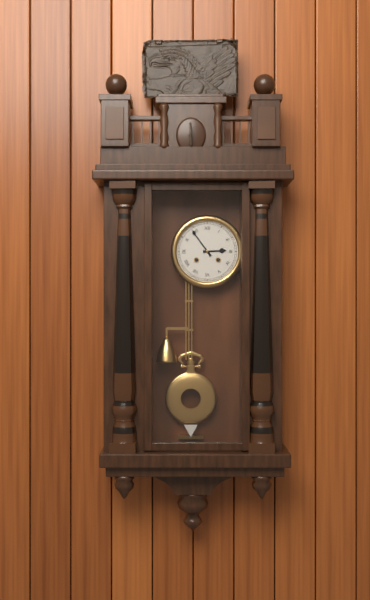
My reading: 2:54
